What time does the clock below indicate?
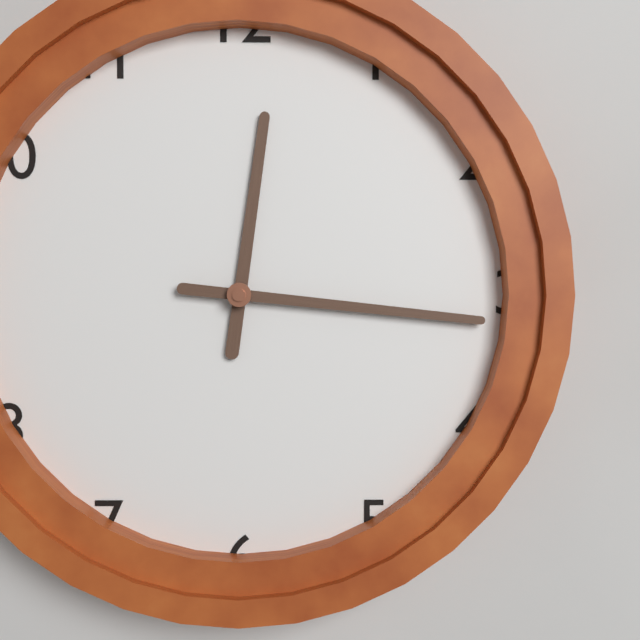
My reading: 12:16
